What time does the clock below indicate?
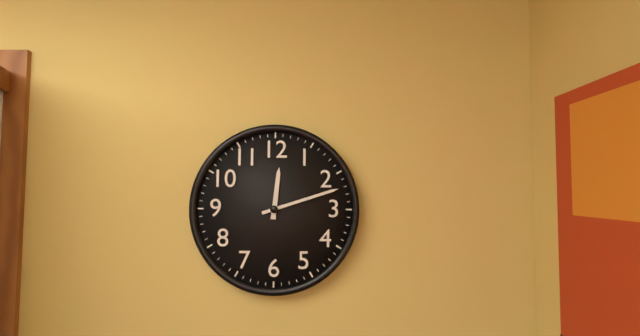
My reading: 12:12
